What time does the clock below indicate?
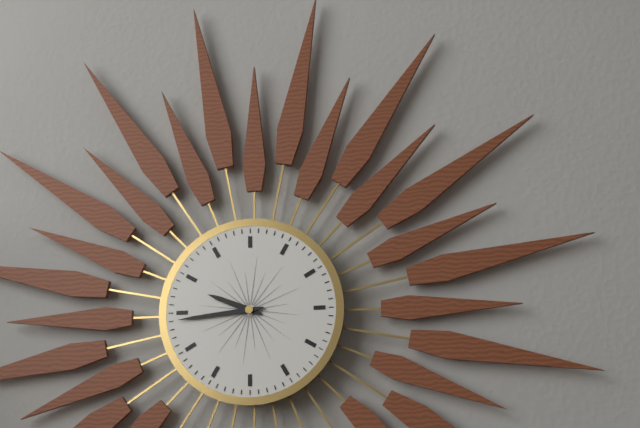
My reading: 9:44
